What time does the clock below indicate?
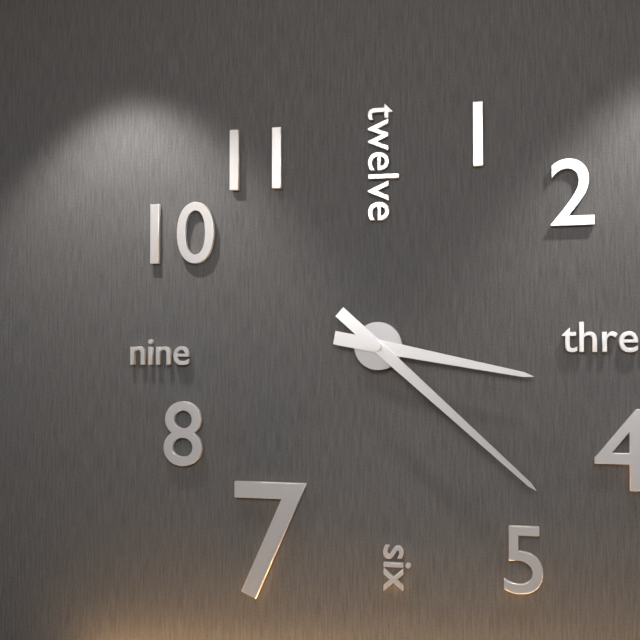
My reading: 3:22
